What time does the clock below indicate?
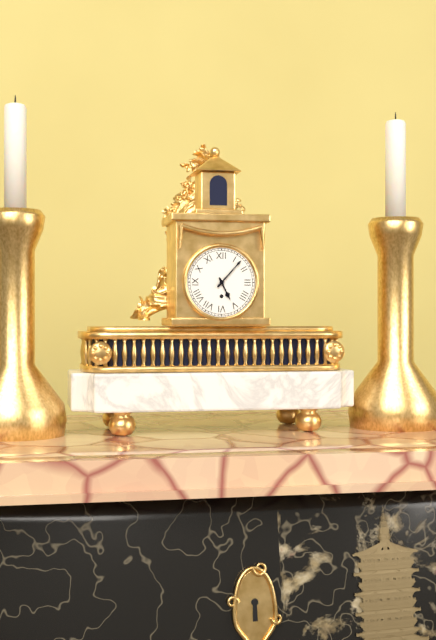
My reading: 5:07
